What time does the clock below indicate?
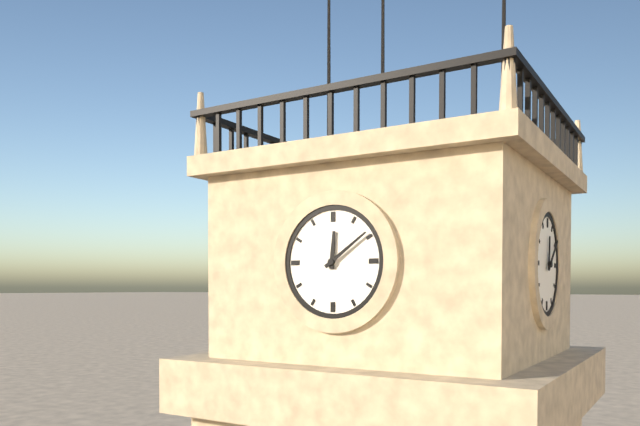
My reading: 12:09
